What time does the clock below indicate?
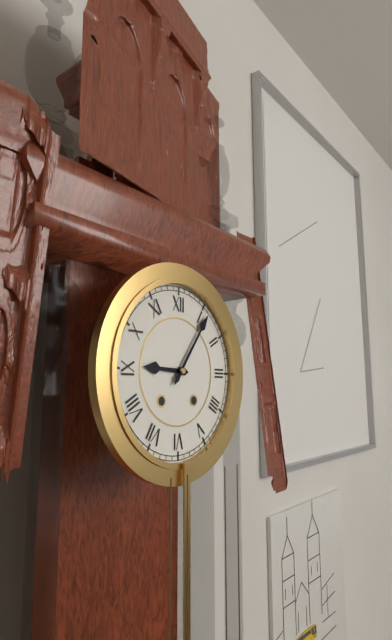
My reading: 9:06
